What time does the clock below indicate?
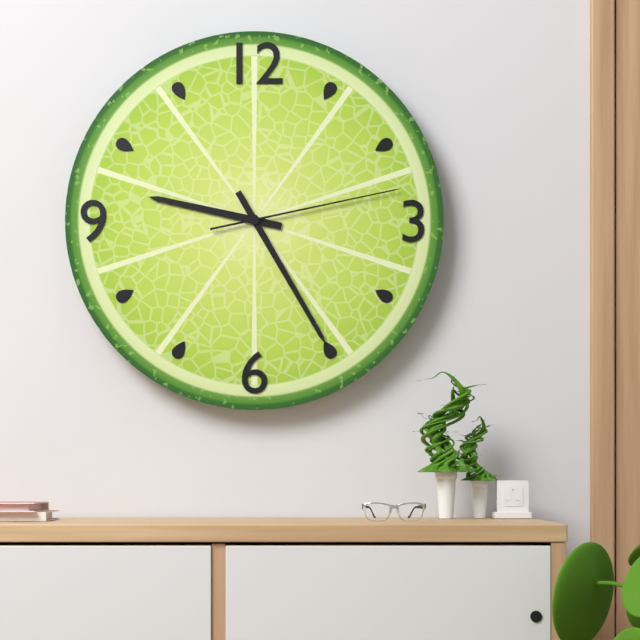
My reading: 9:25:13
